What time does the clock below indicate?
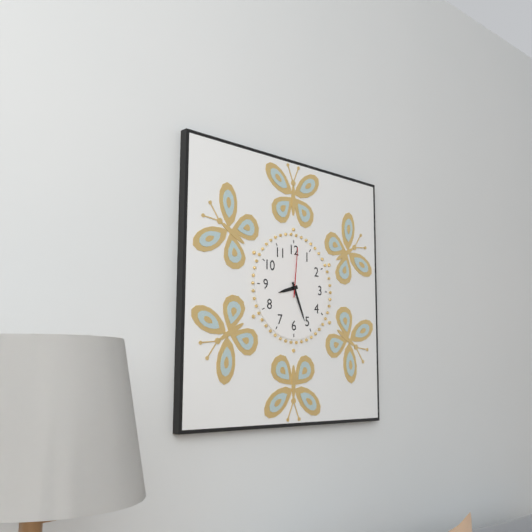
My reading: 8:26:01
